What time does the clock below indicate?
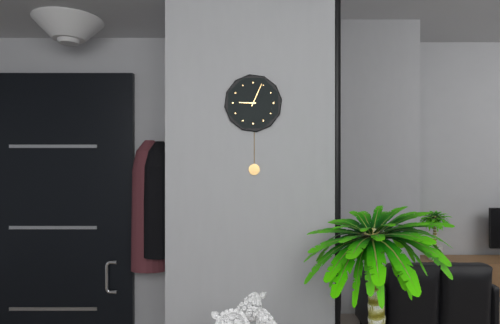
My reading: 9:04
